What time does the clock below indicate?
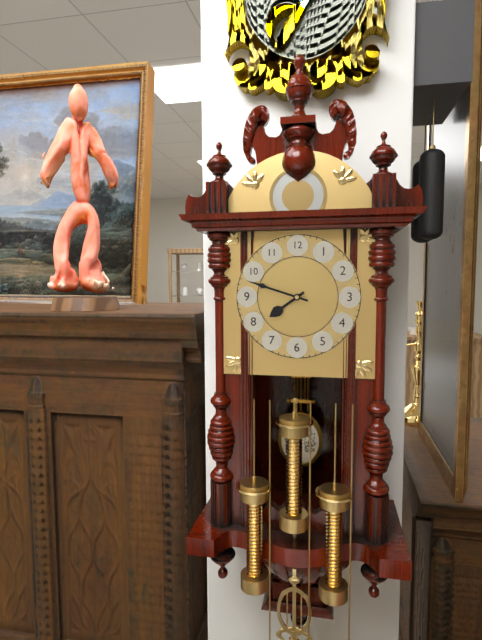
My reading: 7:48
